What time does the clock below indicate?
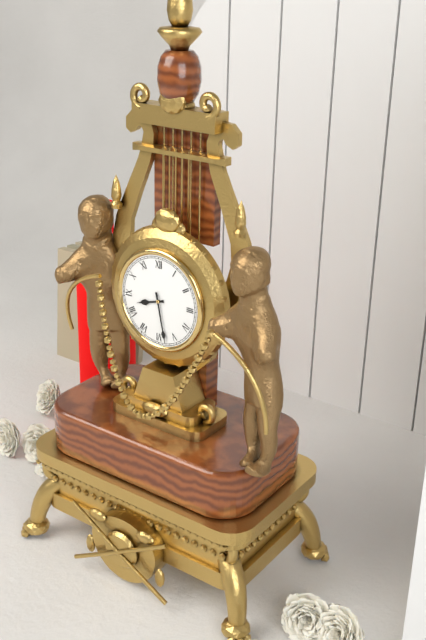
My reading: 8:28
